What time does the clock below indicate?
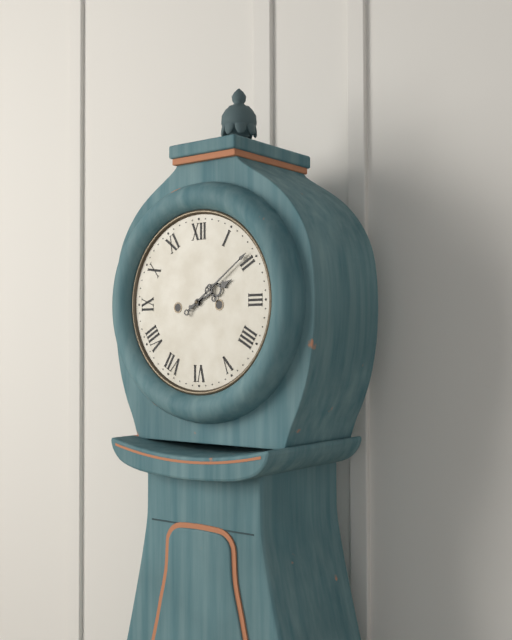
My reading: 2:09
